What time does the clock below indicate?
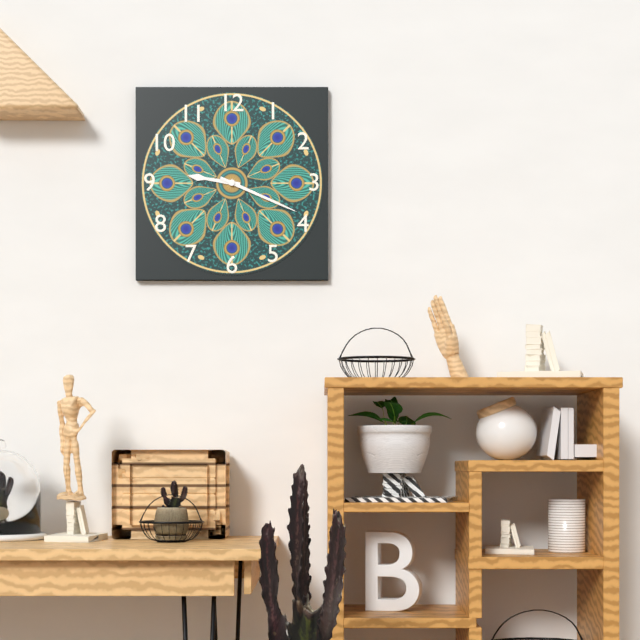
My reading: 9:19
